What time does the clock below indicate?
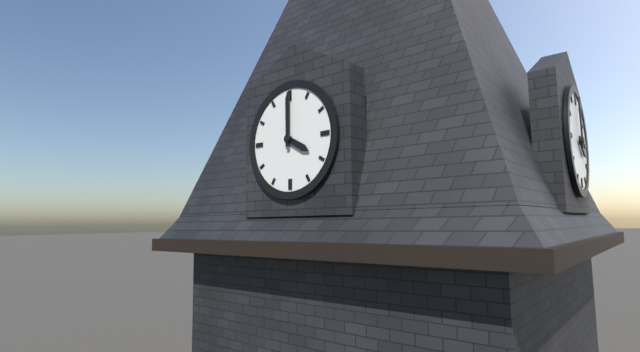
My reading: 4:00
